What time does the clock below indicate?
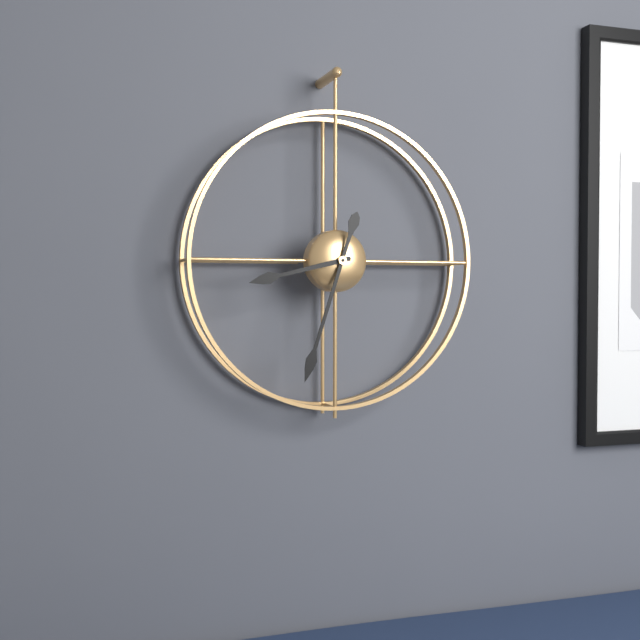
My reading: 8:33
